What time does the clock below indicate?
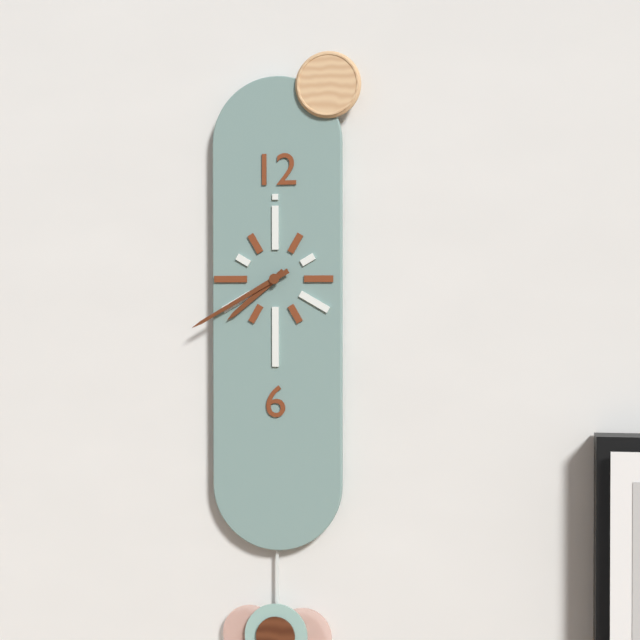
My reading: 7:40
